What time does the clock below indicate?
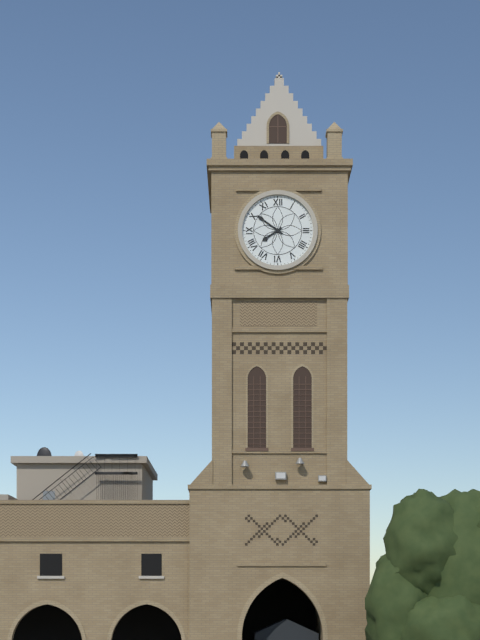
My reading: 7:51
